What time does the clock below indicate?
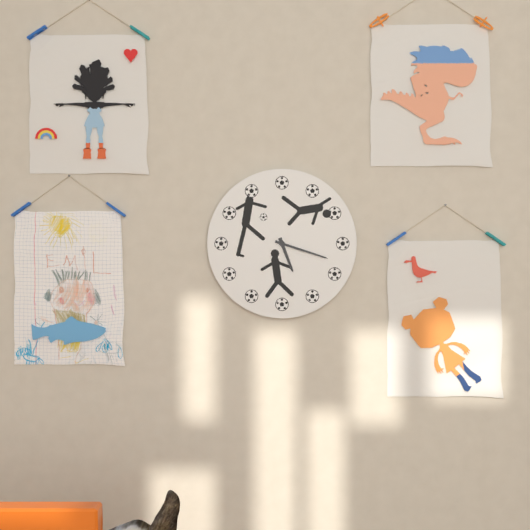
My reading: 5:18
